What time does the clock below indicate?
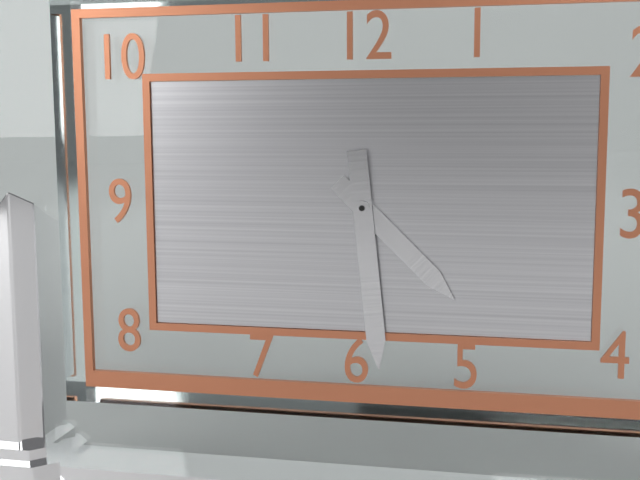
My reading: 4:29
